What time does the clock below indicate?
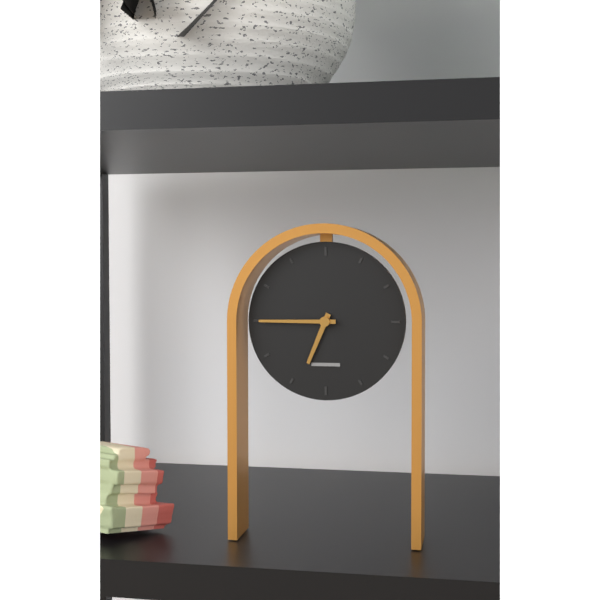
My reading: 6:45
